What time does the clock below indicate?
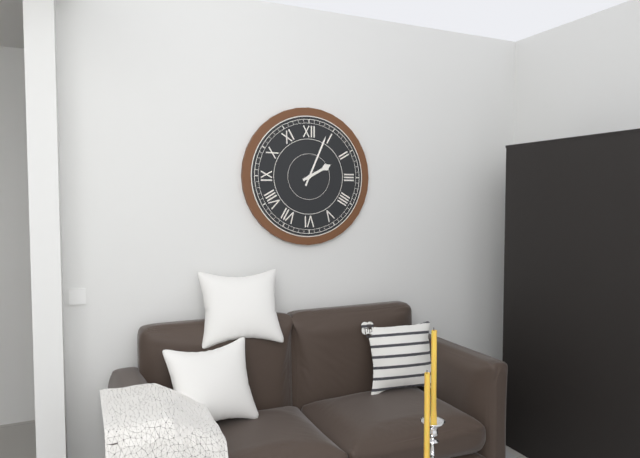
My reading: 2:04
